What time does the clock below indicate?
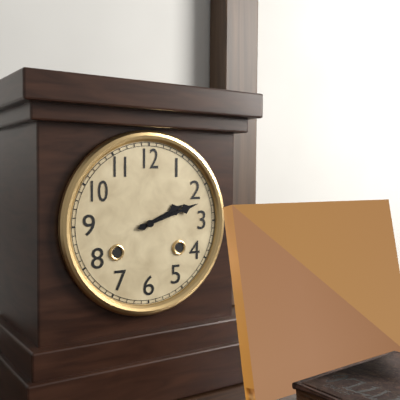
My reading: 2:12
